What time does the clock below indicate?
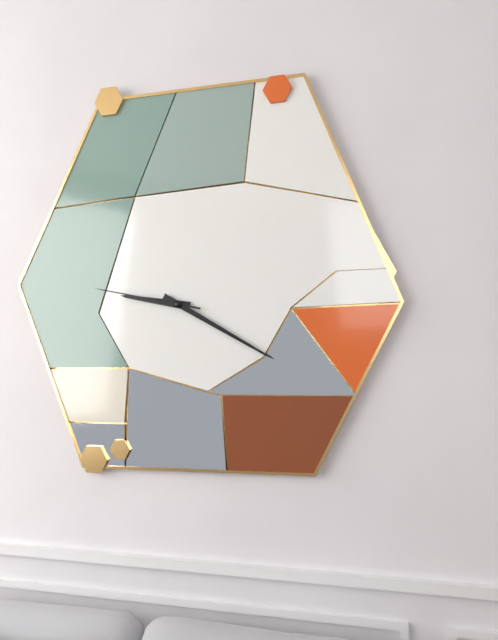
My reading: 9:20:47
